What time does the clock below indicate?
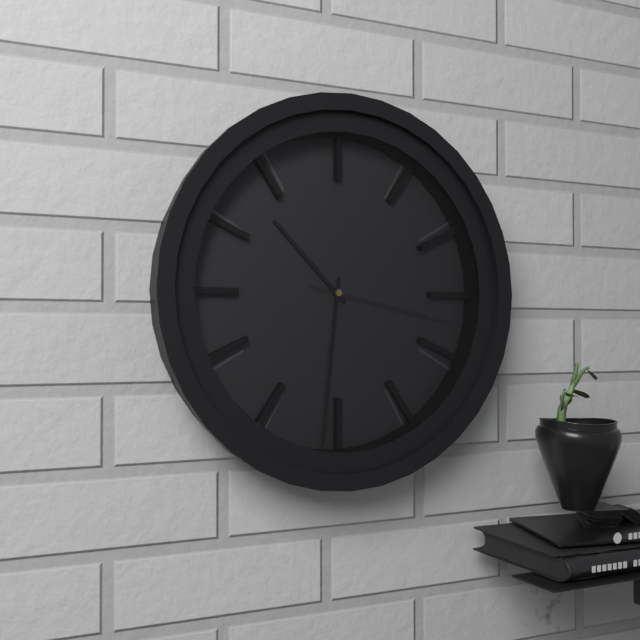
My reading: 10:31:17
